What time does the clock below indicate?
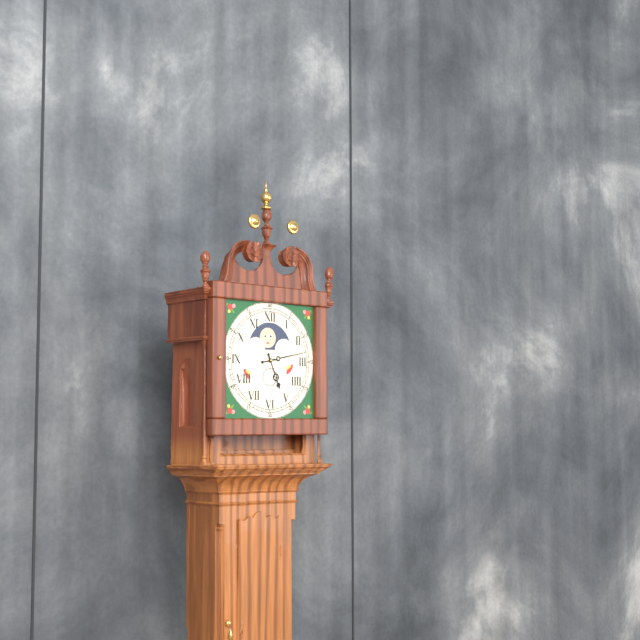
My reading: 5:13
